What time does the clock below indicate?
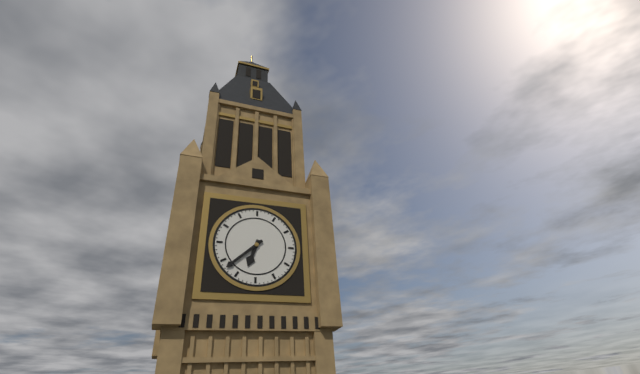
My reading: 6:38
